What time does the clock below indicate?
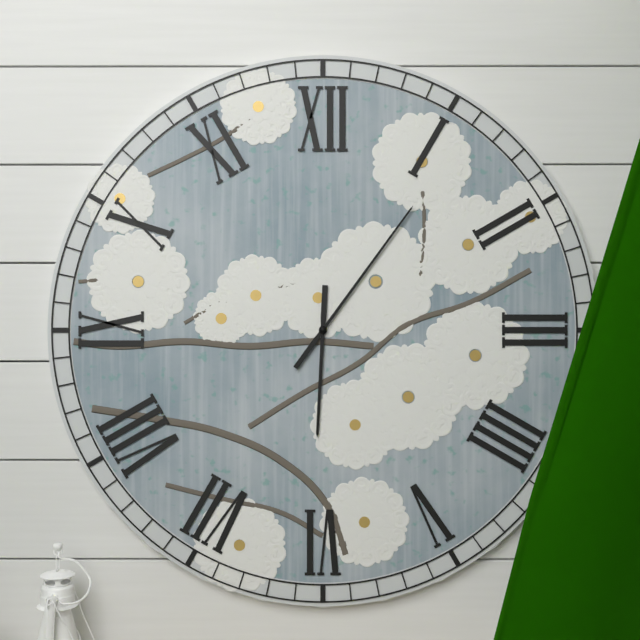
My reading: 6:06
